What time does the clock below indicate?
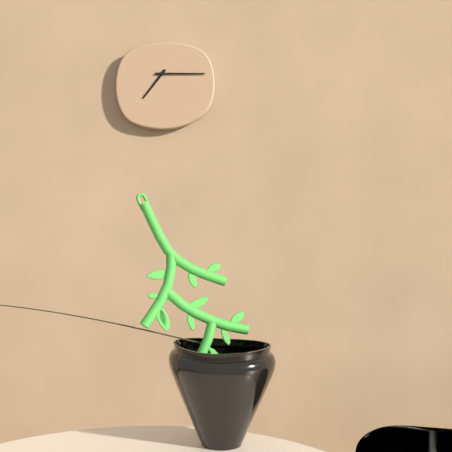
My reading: 7:15
